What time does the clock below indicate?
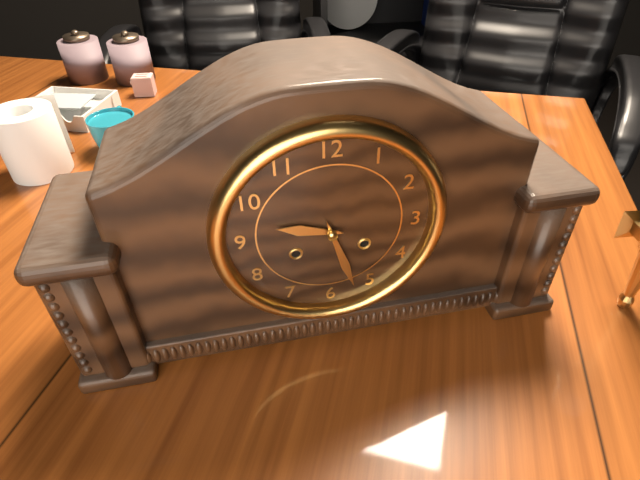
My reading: 9:27
